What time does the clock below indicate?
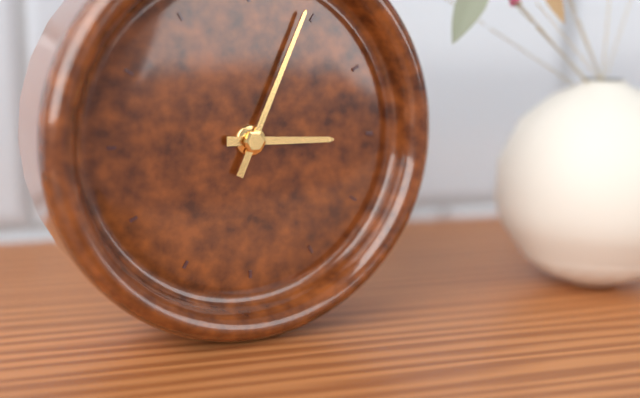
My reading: 3:04
